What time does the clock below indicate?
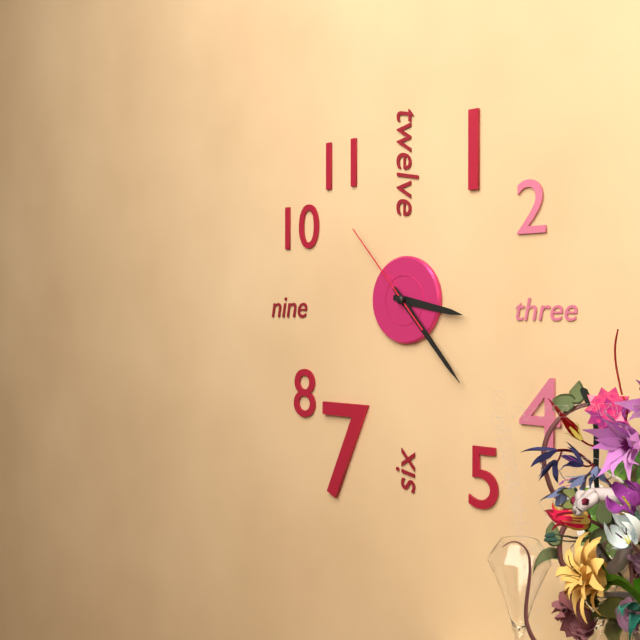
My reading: 3:23:53
